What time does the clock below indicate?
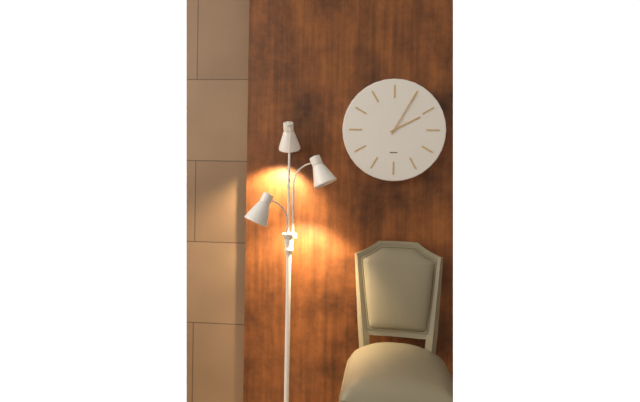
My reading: 2:05
